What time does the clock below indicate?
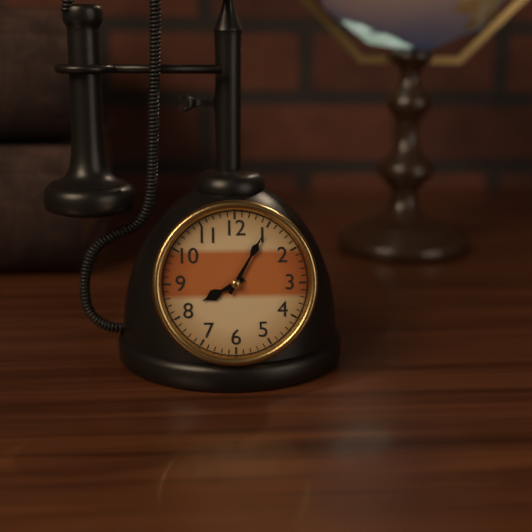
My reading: 8:05
